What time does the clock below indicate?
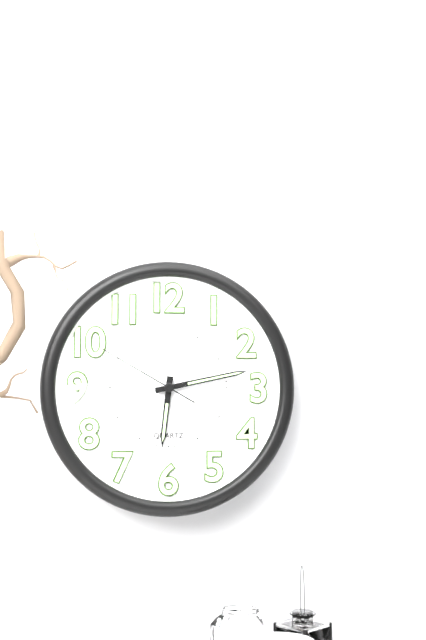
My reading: 6:13:50
